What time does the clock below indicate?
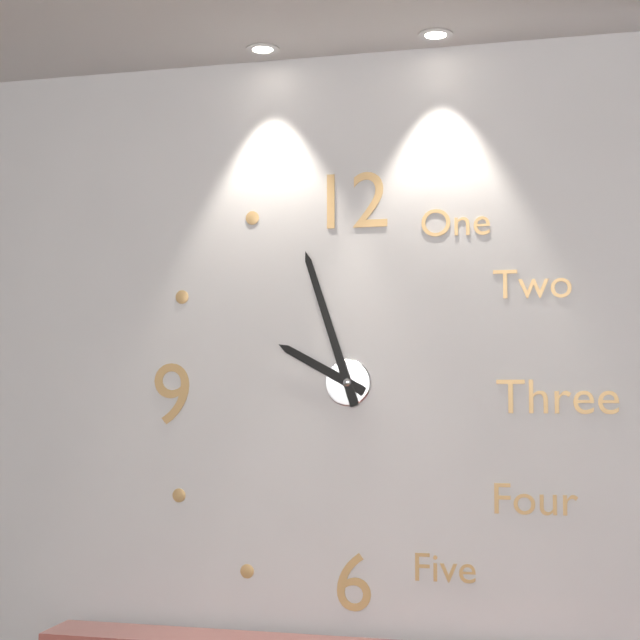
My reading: 9:57
